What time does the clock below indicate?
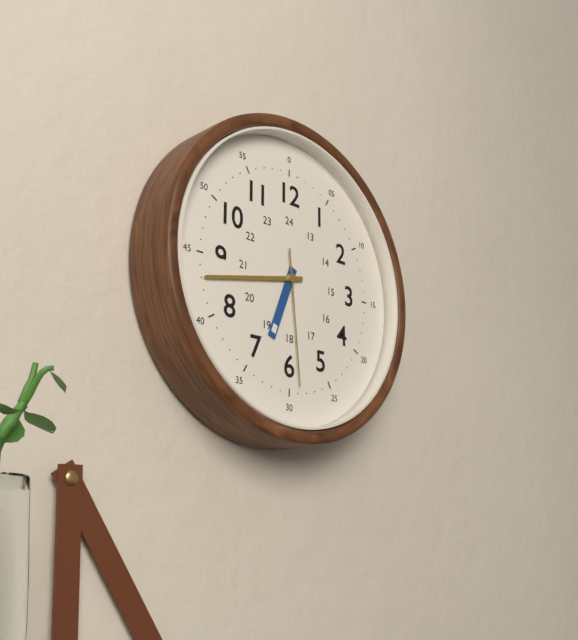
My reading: 6:43:29
